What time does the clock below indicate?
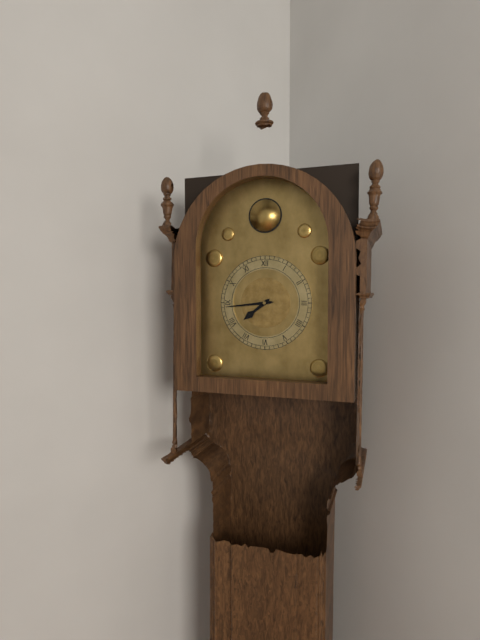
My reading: 7:44
